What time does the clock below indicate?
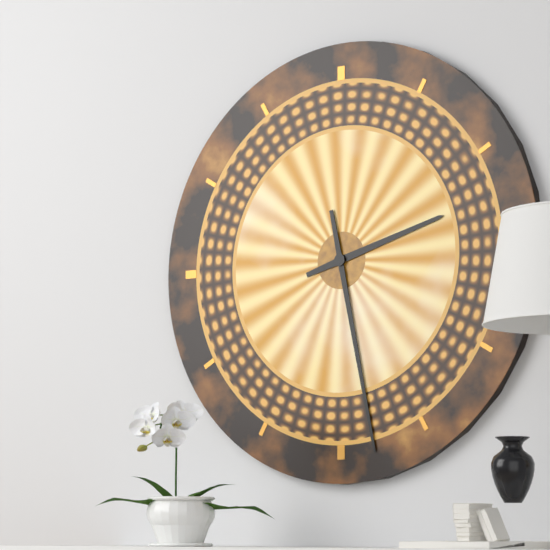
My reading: 2:28
